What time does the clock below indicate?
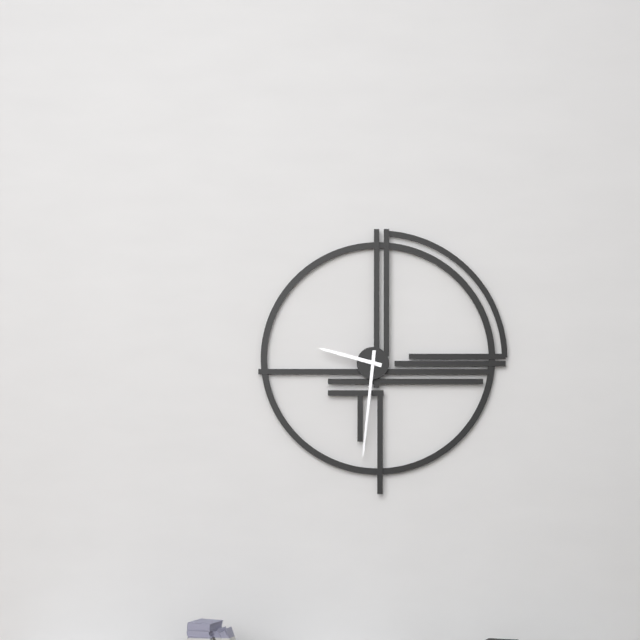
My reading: 9:31
